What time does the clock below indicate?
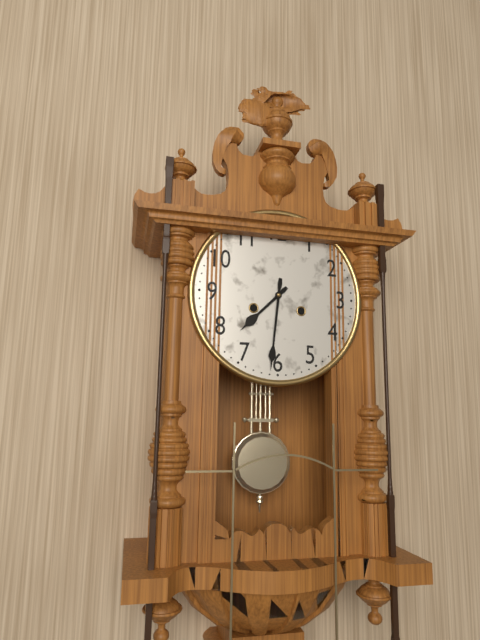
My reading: 7:31
